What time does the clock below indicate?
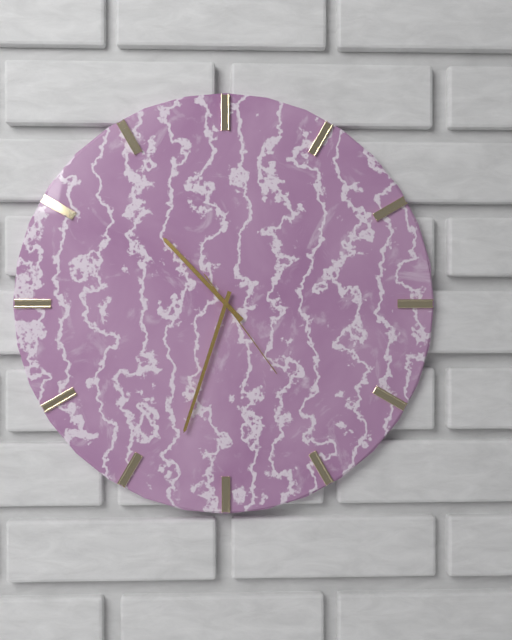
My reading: 10:33:24
